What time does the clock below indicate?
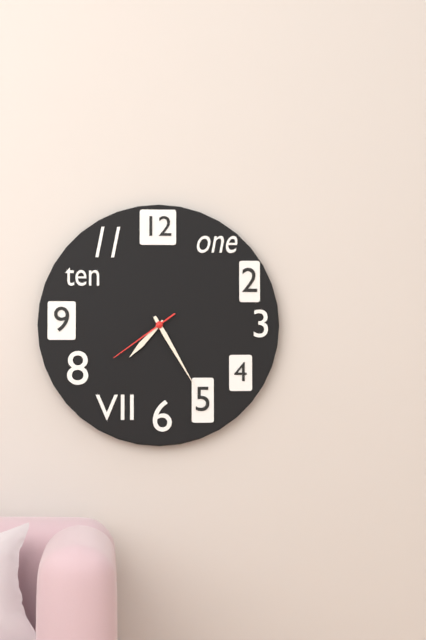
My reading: 7:25:39
